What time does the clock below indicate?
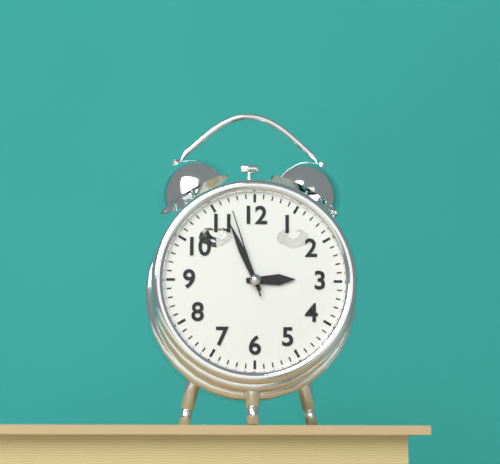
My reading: 2:56:57
